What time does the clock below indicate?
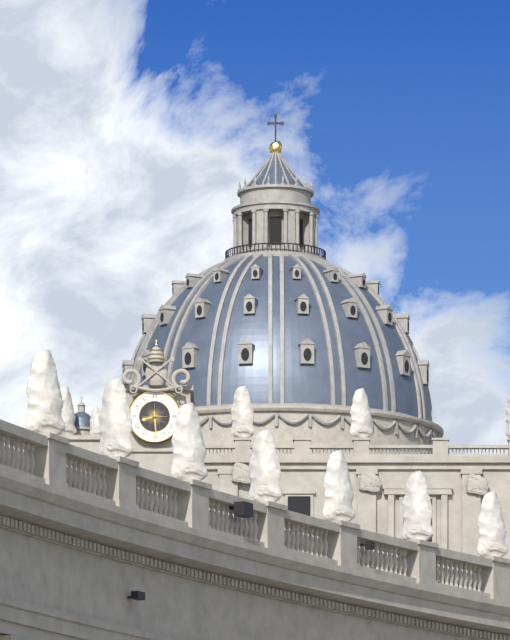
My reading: 8:29
